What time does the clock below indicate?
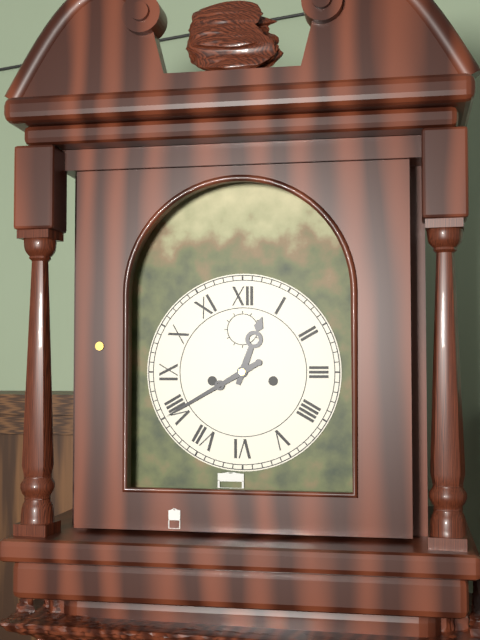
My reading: 12:40
